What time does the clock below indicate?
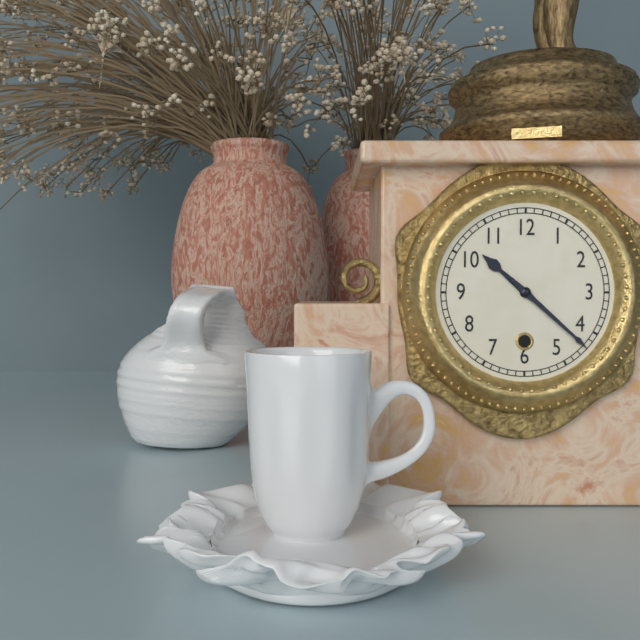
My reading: 10:22
